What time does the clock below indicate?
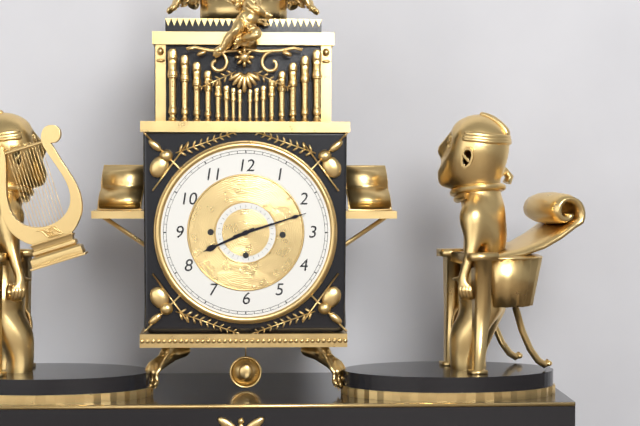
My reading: 8:12
